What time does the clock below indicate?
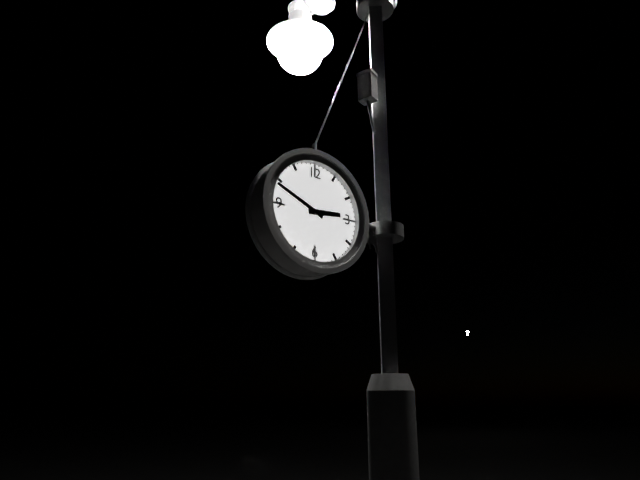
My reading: 2:49
